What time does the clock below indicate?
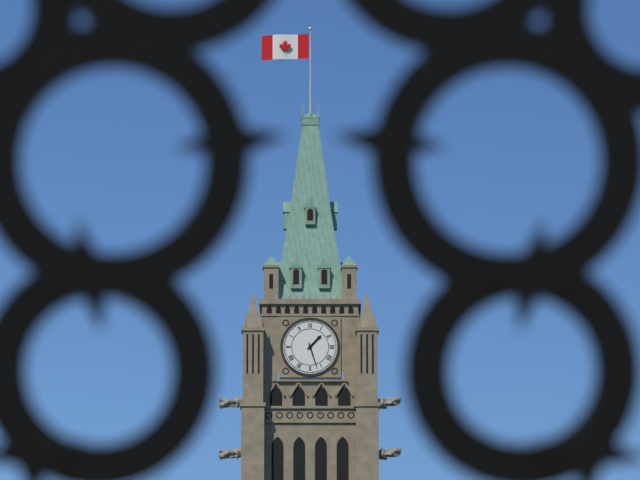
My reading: 1:27
